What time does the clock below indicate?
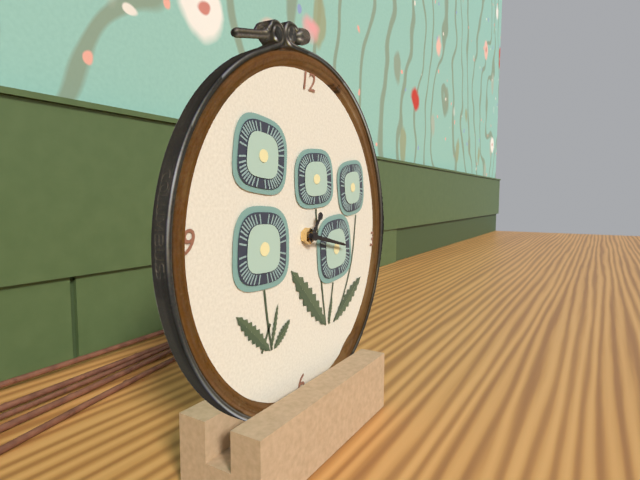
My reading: 1:17
